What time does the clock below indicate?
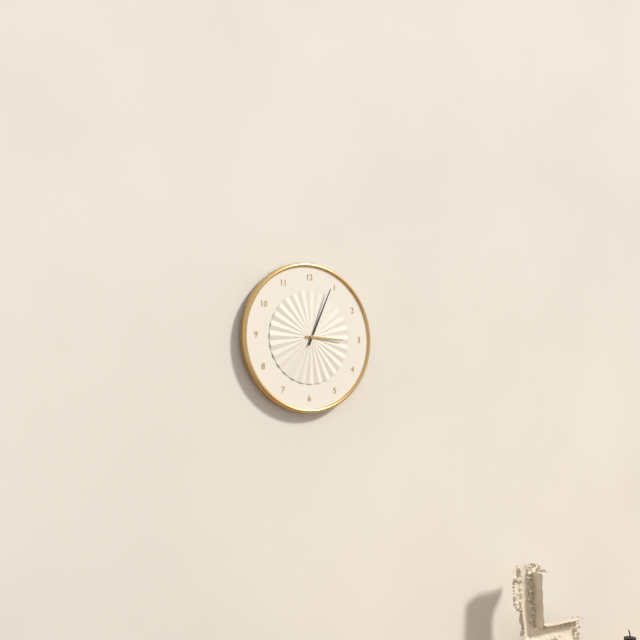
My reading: 3:04
